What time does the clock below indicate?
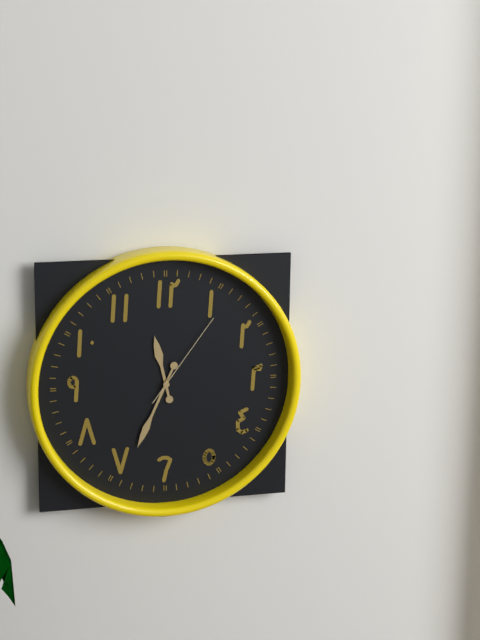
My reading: 11:34:06
